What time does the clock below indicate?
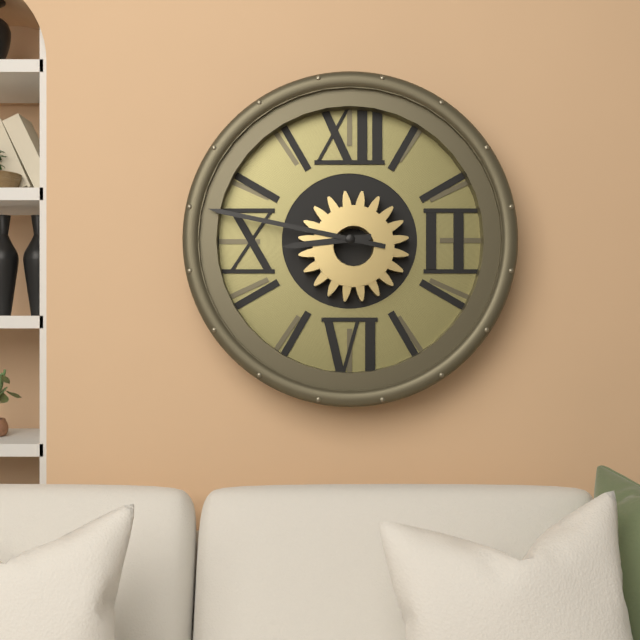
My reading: 8:47
